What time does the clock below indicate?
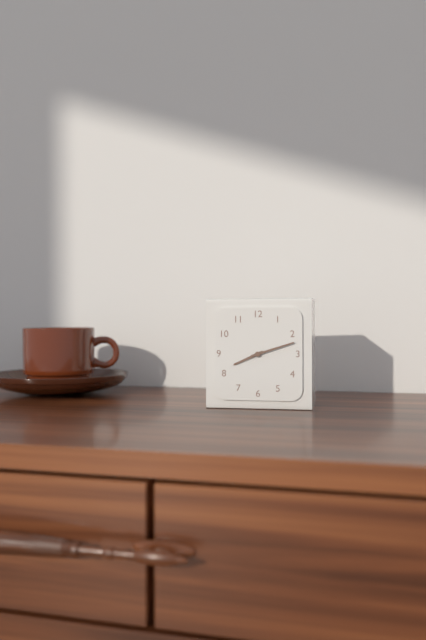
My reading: 8:12
